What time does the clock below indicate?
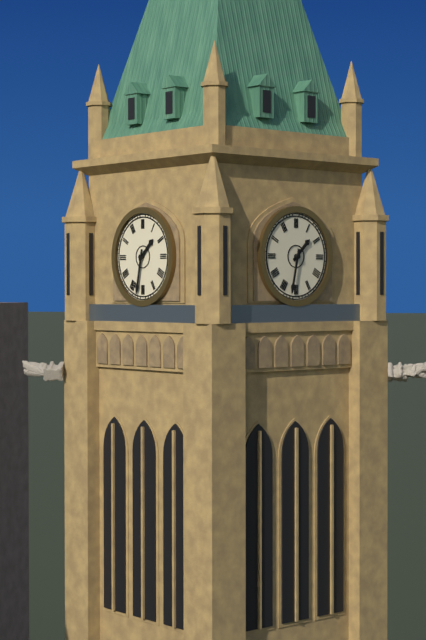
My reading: 1:32
